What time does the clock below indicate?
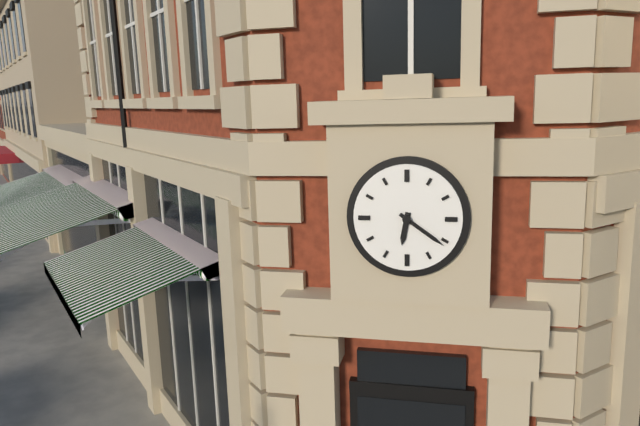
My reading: 6:21
